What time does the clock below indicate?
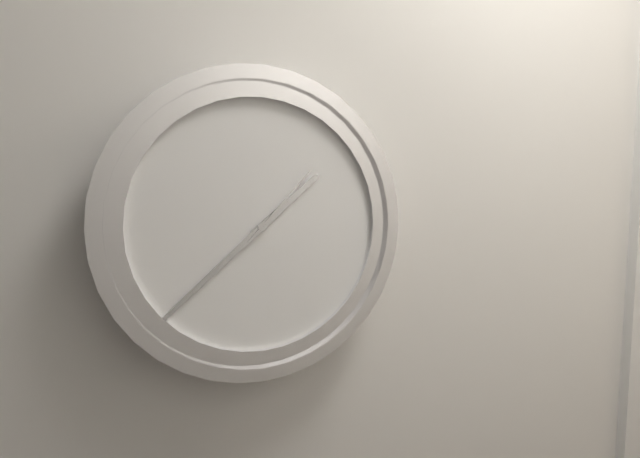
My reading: 1:38:07
